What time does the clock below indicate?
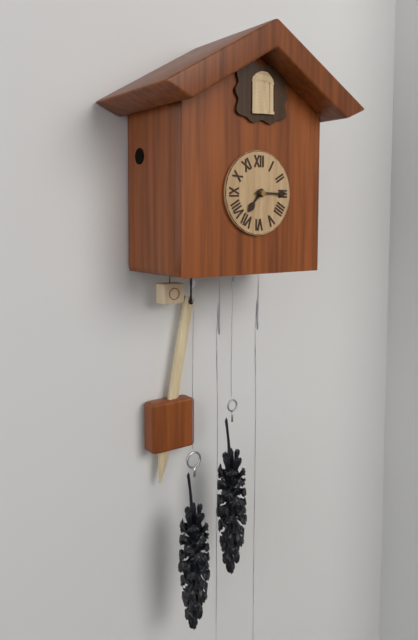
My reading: 7:15
